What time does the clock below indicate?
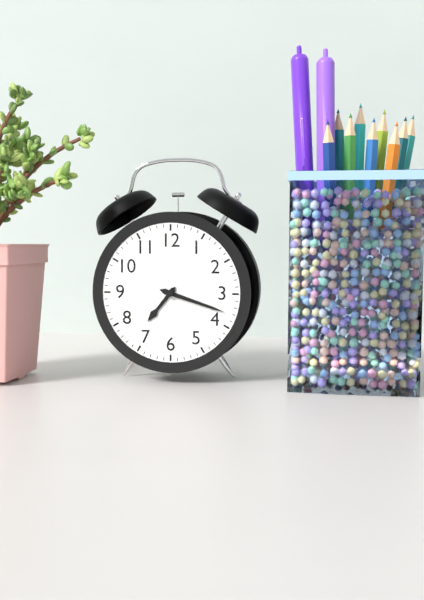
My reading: 7:18
